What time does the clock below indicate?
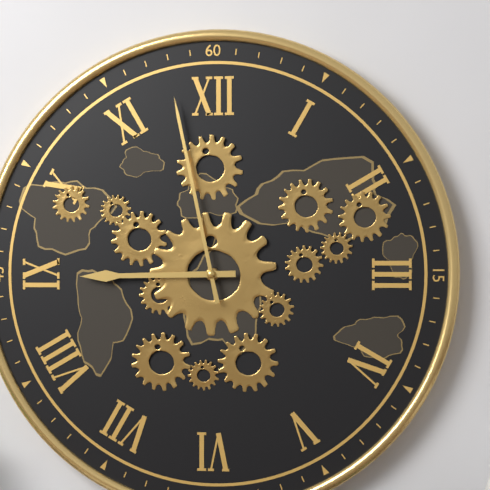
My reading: 8:58
